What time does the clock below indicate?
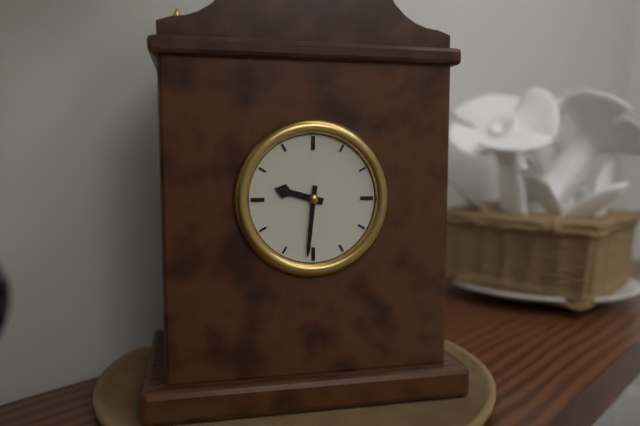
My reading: 9:31
